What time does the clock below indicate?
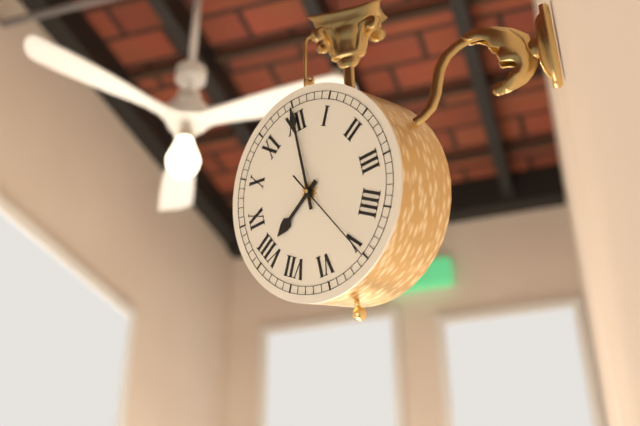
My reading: 8:00:25
